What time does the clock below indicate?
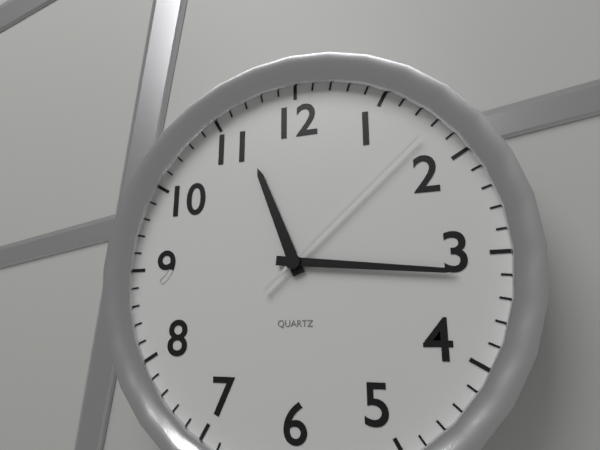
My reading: 11:16:08
